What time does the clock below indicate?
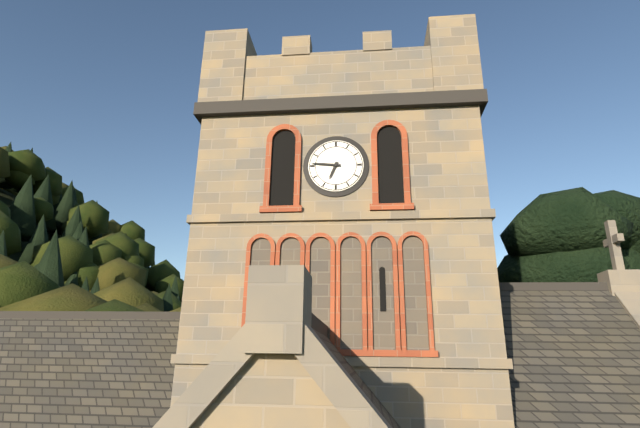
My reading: 6:46
